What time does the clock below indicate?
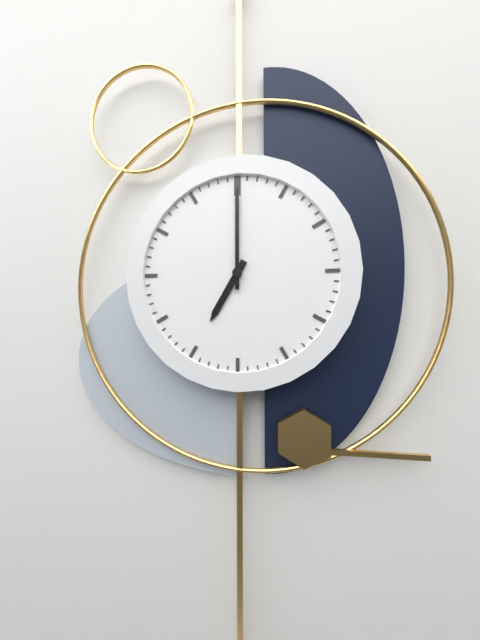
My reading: 7:00
